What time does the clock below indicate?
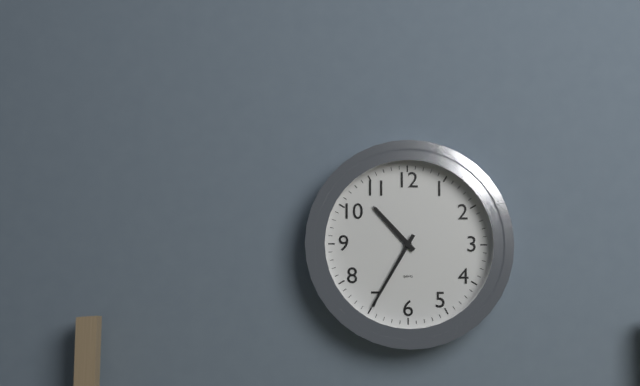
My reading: 10:35
